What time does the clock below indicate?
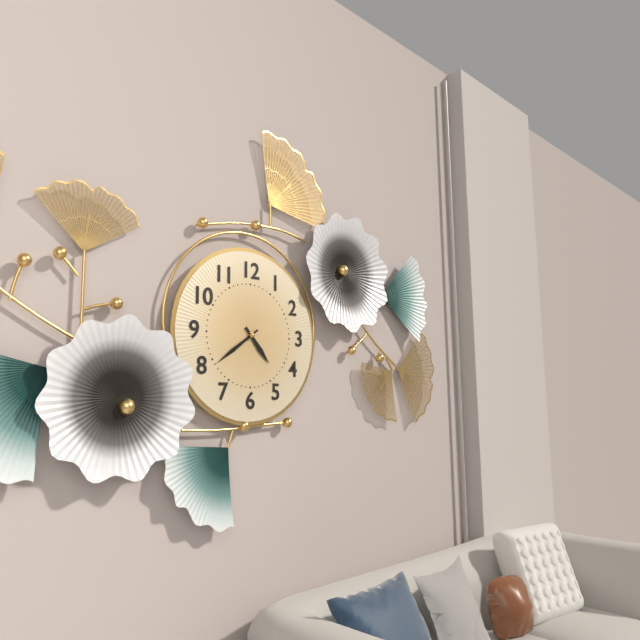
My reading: 4:39
